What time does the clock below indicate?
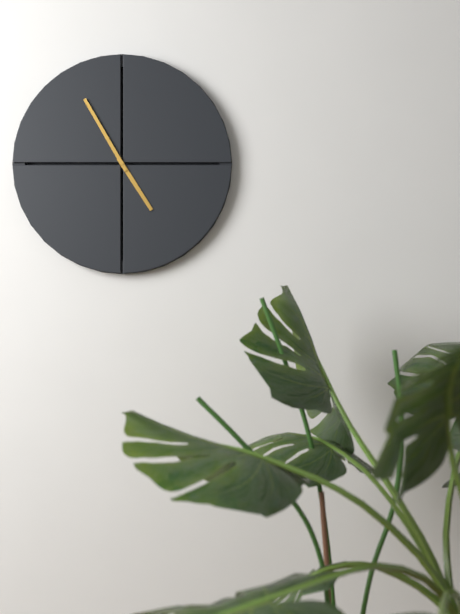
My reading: 4:55
